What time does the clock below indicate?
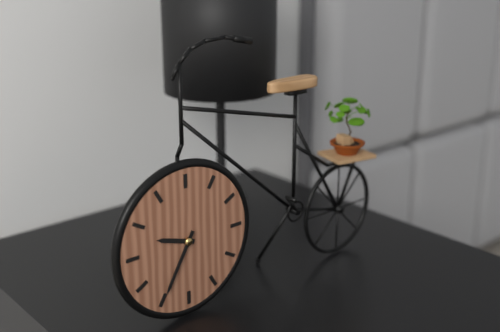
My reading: 9:35
